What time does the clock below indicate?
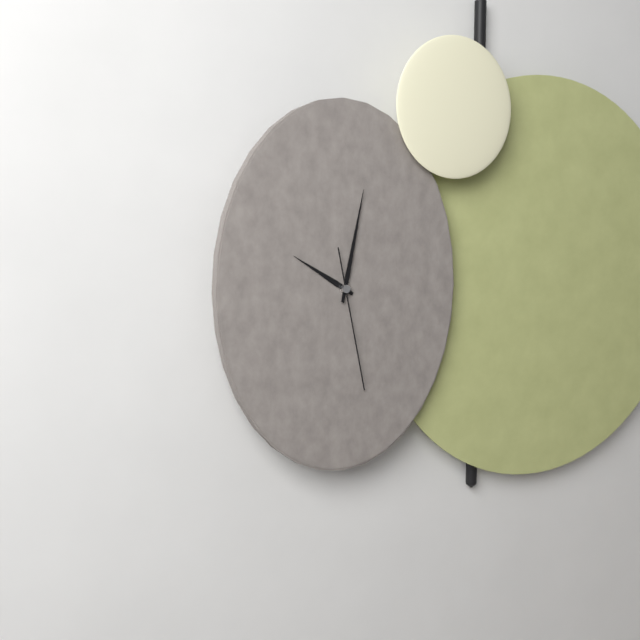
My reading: 10:02:28
